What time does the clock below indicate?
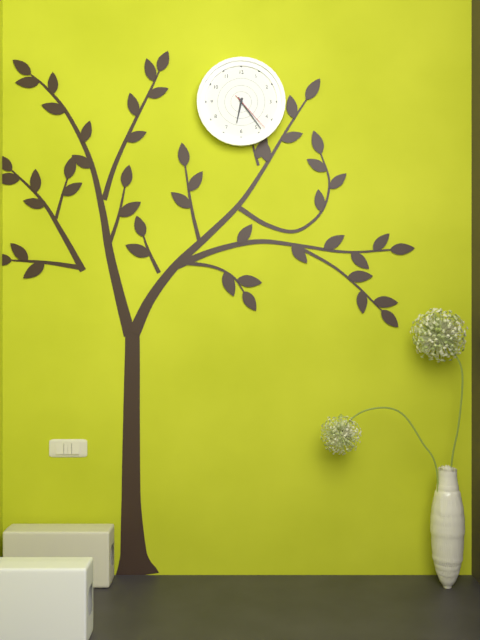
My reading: 6:24
